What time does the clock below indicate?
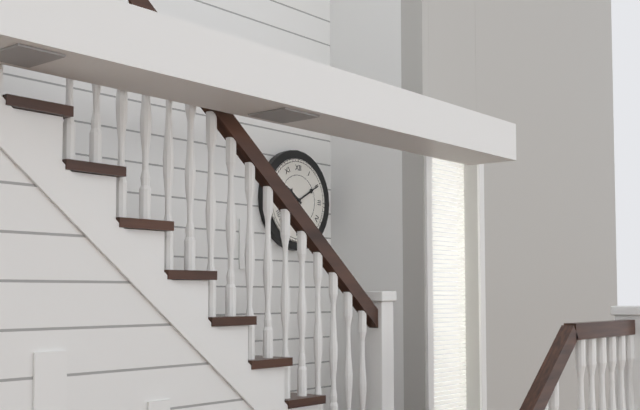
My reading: 10:10
